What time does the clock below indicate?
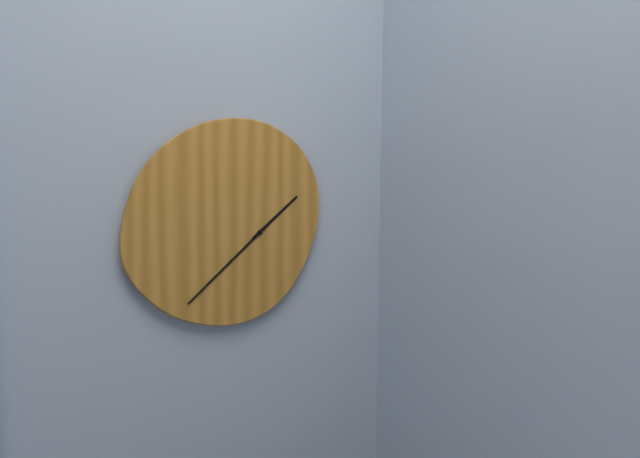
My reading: 1:38
